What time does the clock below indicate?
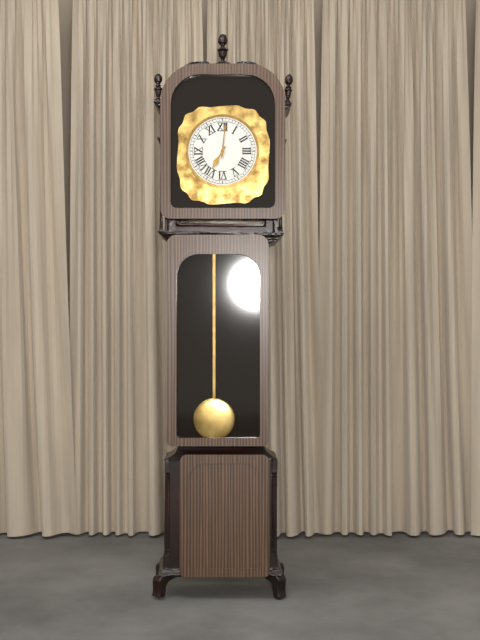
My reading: 7:01
